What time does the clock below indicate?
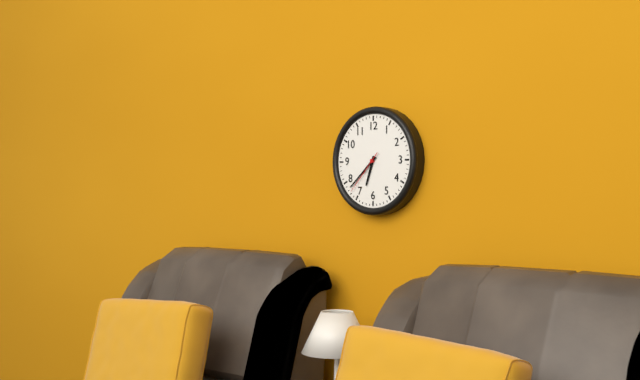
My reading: 6:38
